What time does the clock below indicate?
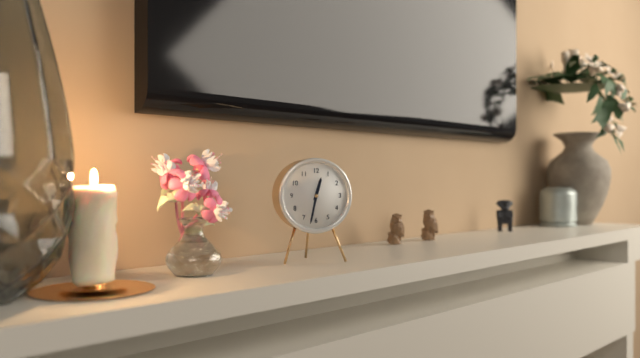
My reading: 12:32
